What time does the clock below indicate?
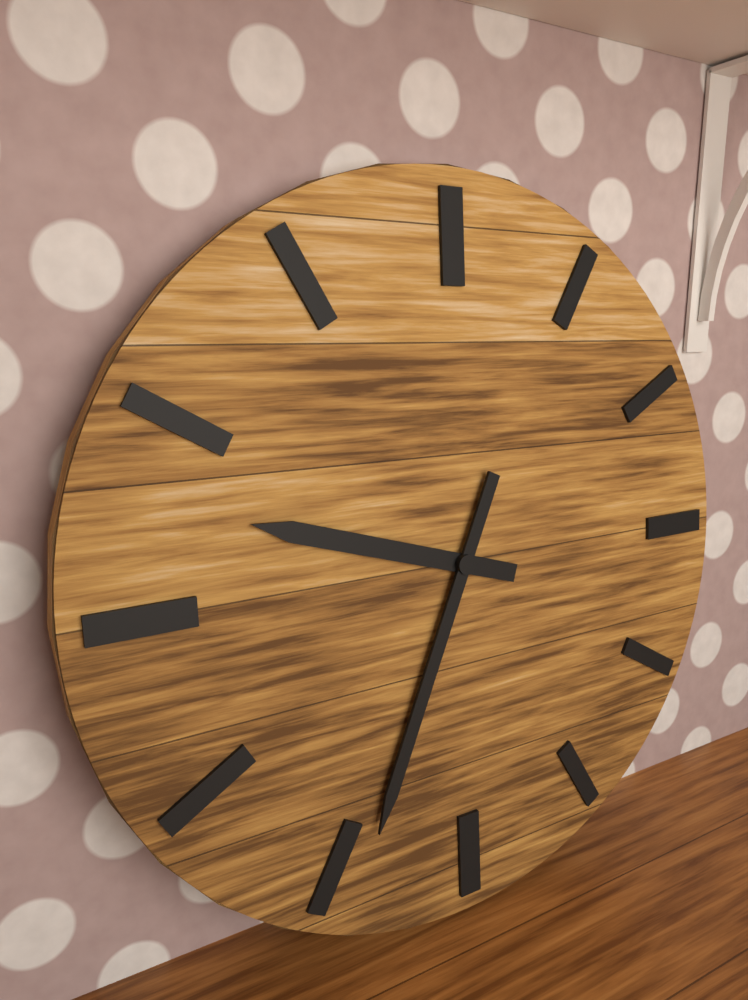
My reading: 9:34
